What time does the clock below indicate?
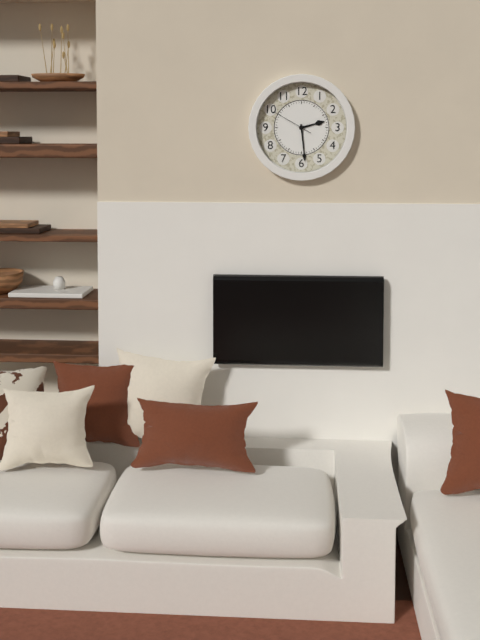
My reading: 2:29
